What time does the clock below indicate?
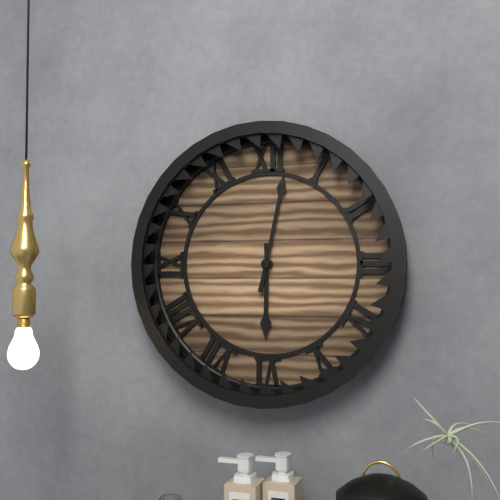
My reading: 6:02
